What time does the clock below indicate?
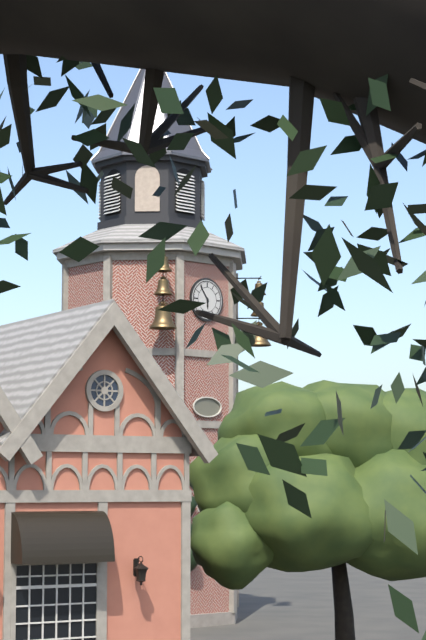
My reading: 5:54
